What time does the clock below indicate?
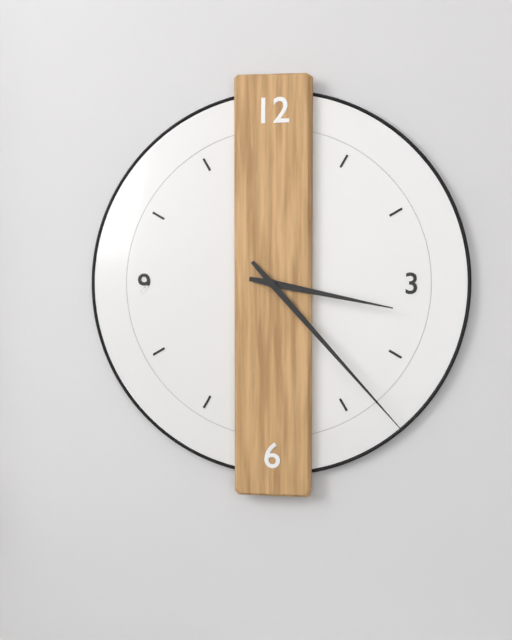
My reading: 3:23
